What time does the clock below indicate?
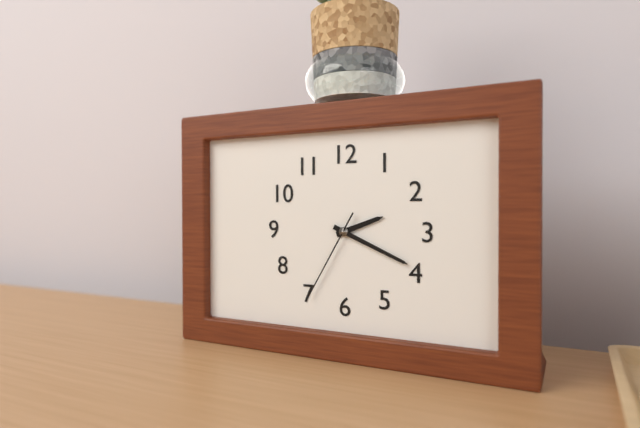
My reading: 2:19:35
